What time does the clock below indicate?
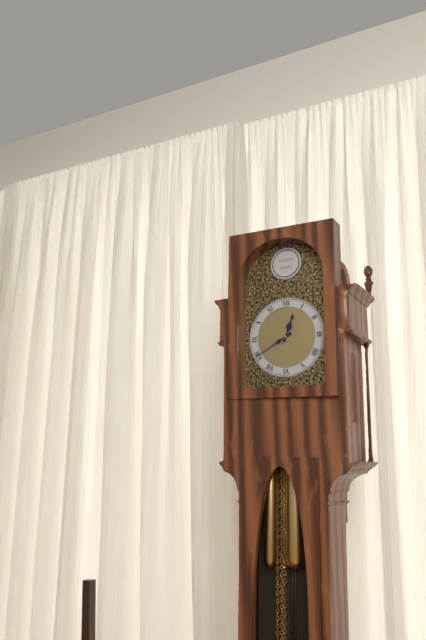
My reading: 12:40
